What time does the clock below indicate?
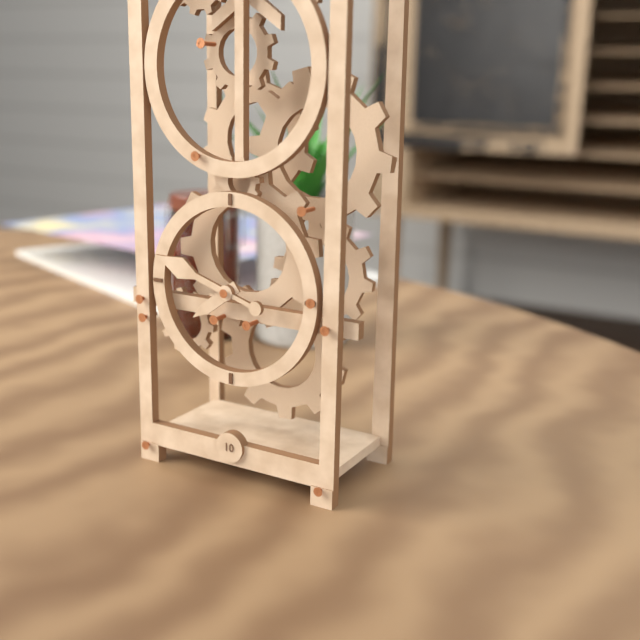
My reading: 7:48
